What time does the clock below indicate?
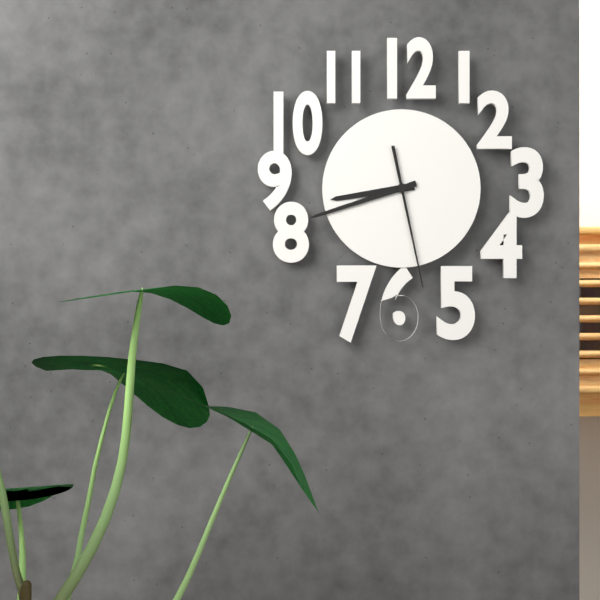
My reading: 8:42:28
